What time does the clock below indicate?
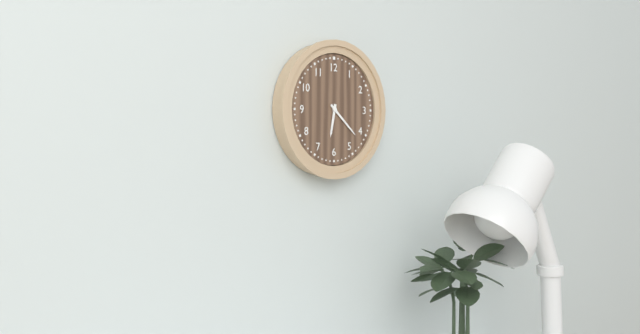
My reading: 6:22
